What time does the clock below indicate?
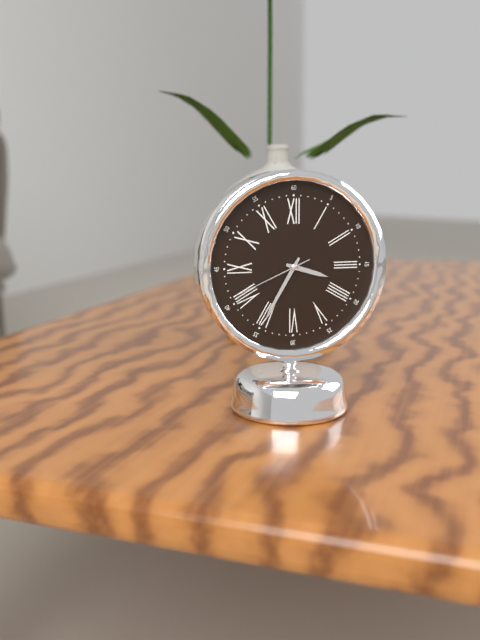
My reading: 3:35:41
